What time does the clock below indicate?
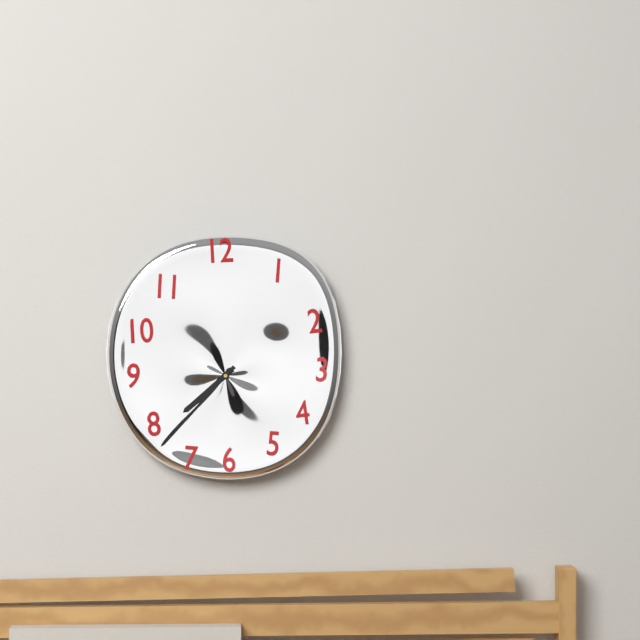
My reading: 7:37
